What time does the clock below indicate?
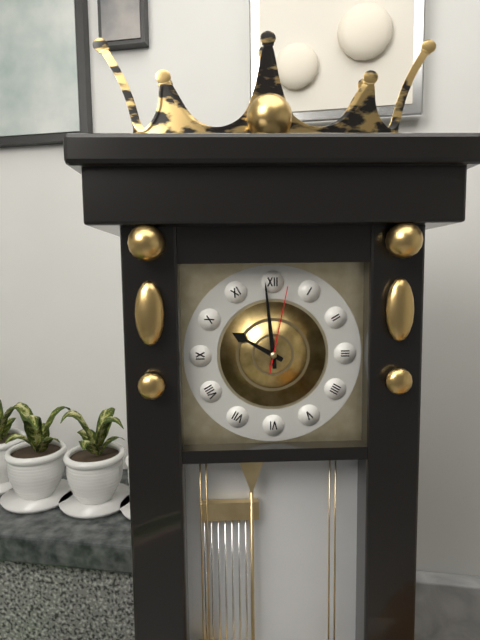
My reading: 9:59:02
